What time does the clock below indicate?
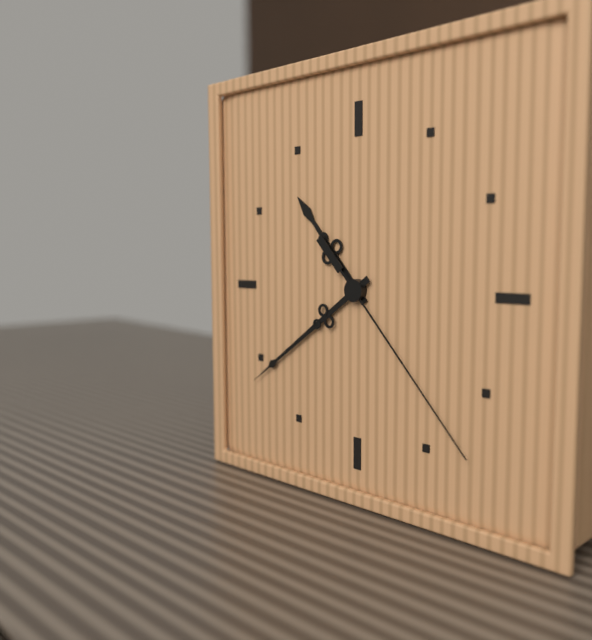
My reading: 10:39:23
